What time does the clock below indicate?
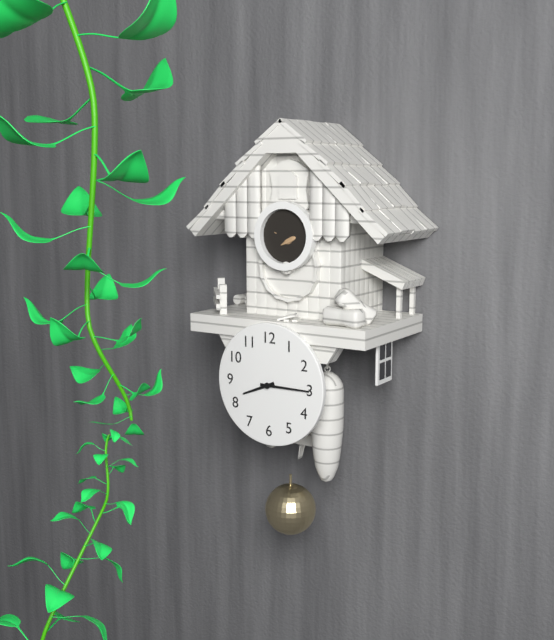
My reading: 8:15
